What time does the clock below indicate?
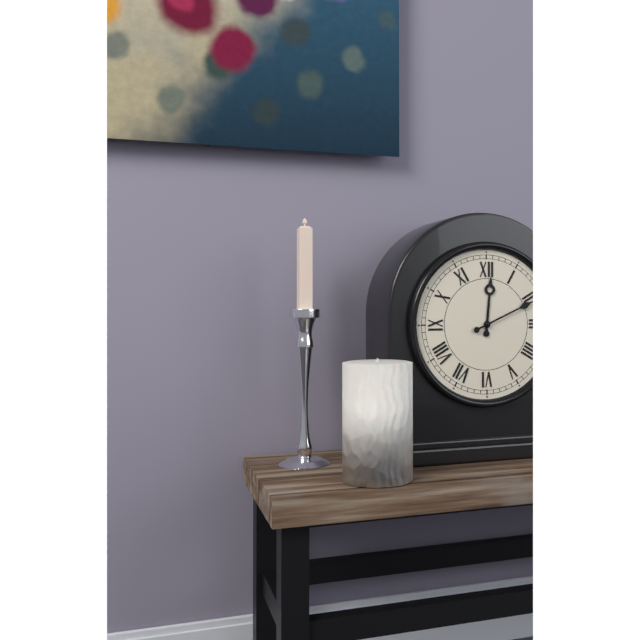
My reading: 12:11
